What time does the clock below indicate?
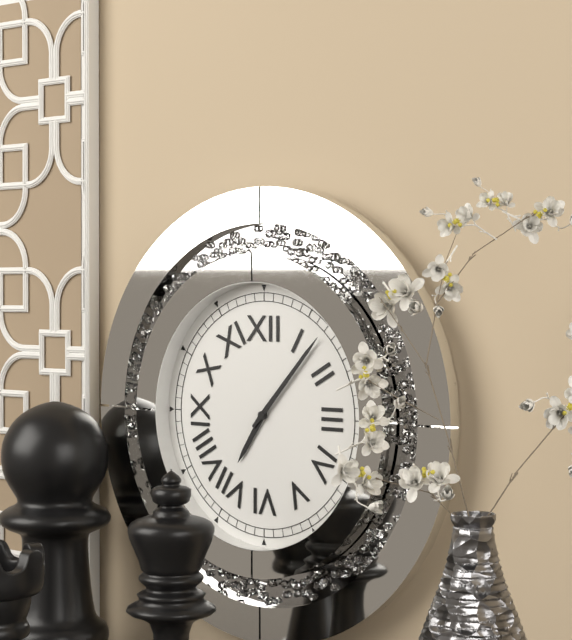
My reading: 7:07
